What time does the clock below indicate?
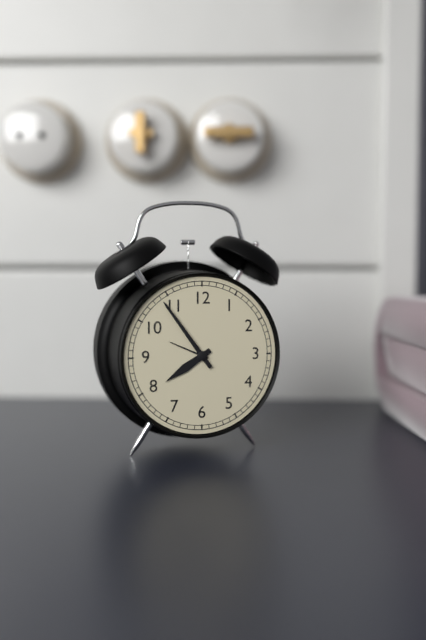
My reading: 7:54
